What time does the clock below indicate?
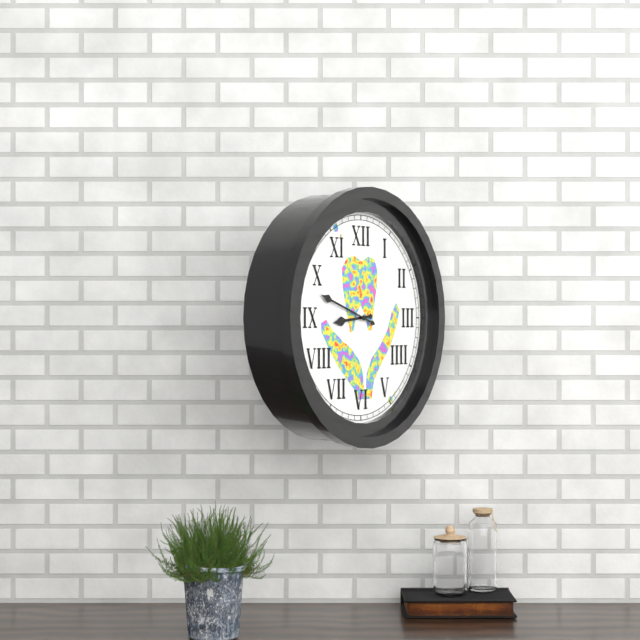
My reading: 8:48
